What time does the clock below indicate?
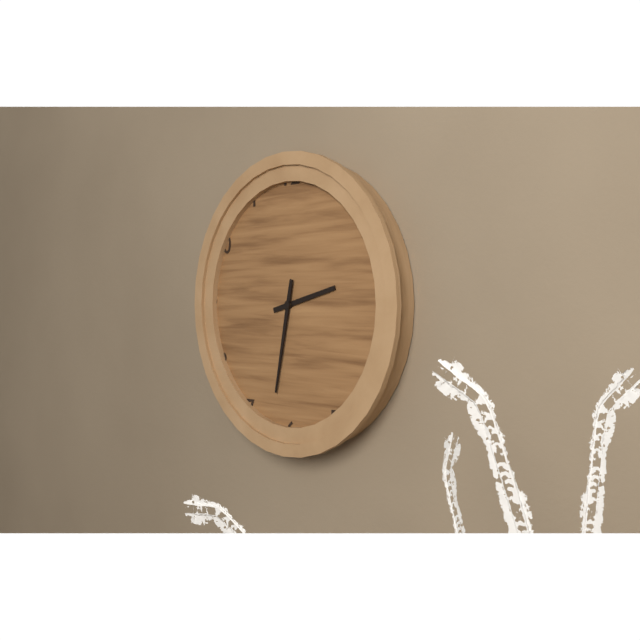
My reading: 2:32
